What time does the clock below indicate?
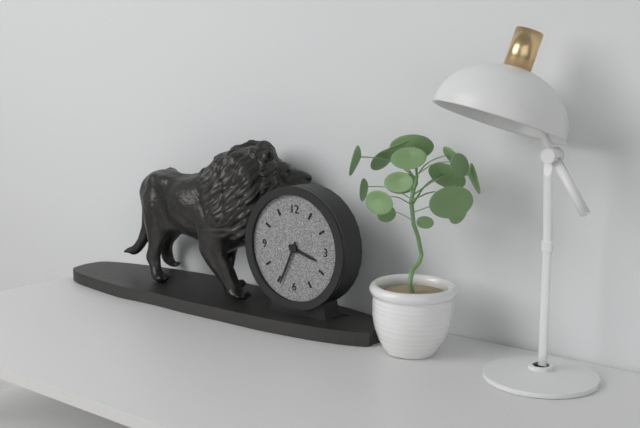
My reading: 3:34
